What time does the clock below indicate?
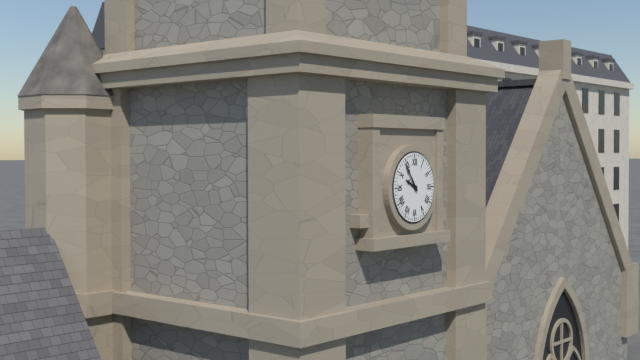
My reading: 9:54
